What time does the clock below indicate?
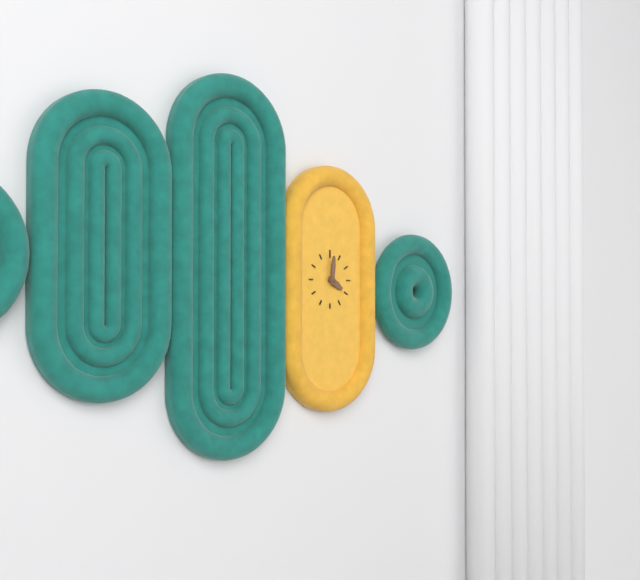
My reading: 4:01
